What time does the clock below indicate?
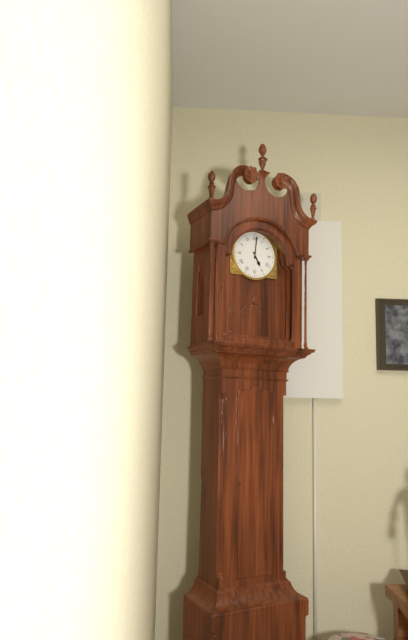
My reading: 5:01
